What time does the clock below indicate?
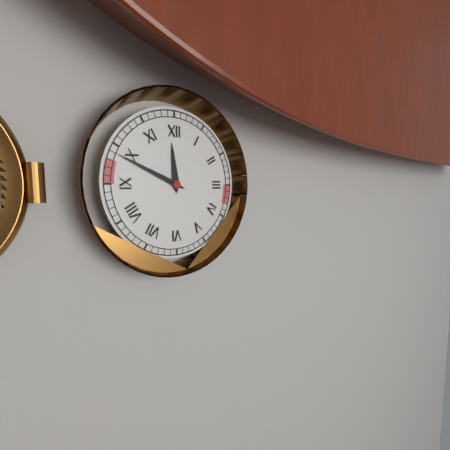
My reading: 11:49
